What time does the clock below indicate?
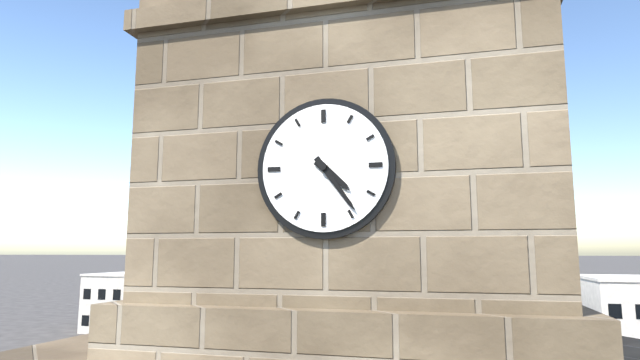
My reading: 4:24
